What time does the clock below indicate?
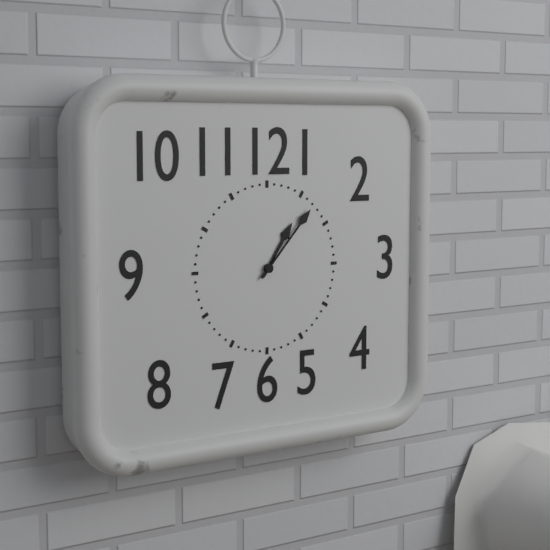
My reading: 1:07
